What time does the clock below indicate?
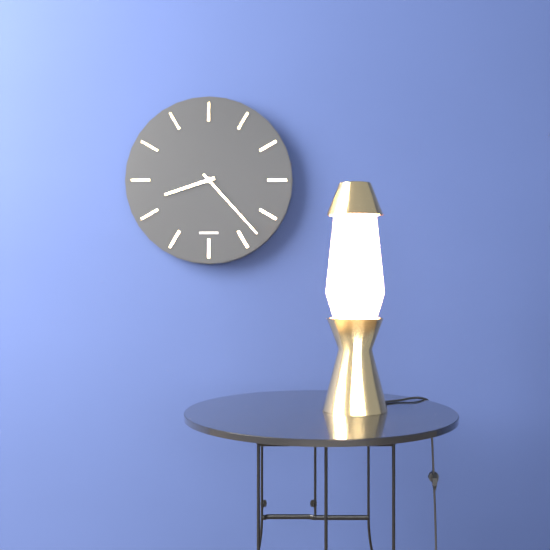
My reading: 8:23
